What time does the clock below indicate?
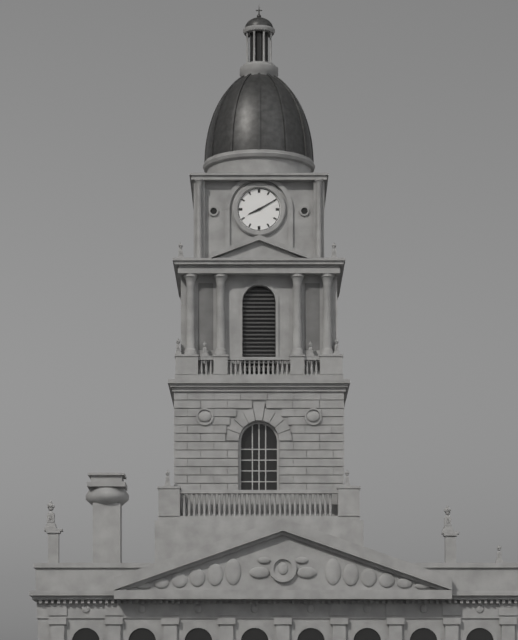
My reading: 8:10
